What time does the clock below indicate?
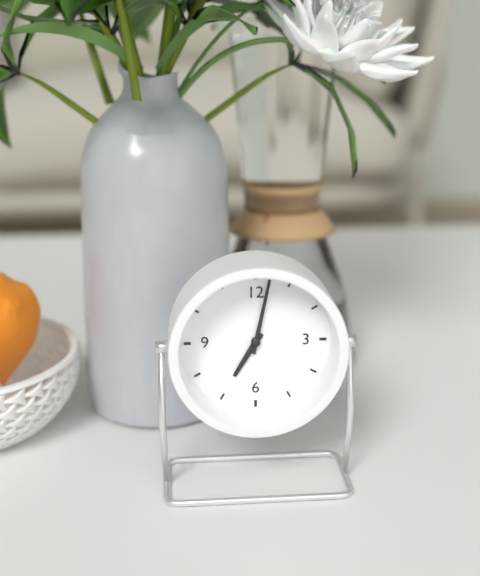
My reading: 7:02
